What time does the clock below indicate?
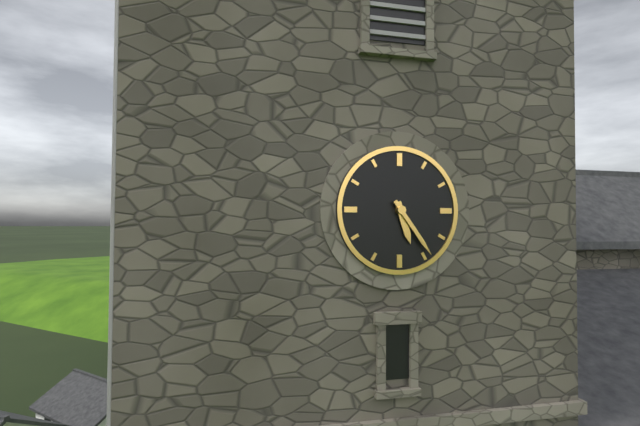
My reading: 5:24
